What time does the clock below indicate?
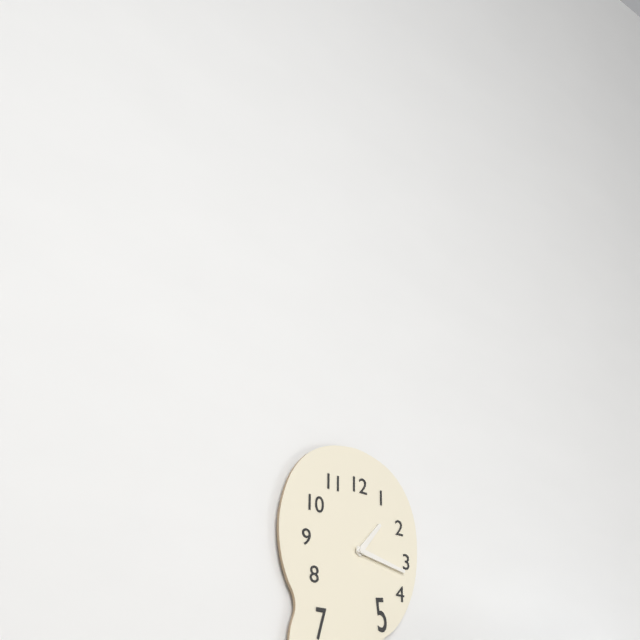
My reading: 1:17
